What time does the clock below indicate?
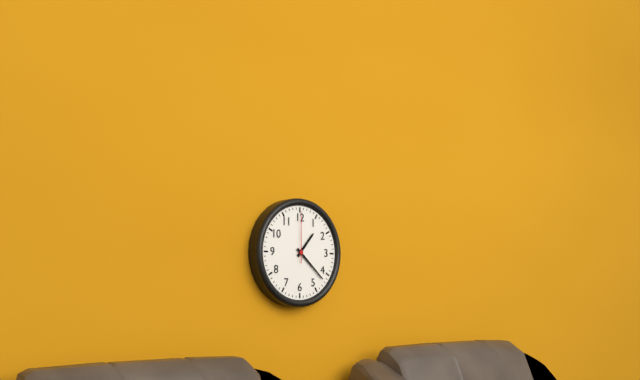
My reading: 1:22:00
